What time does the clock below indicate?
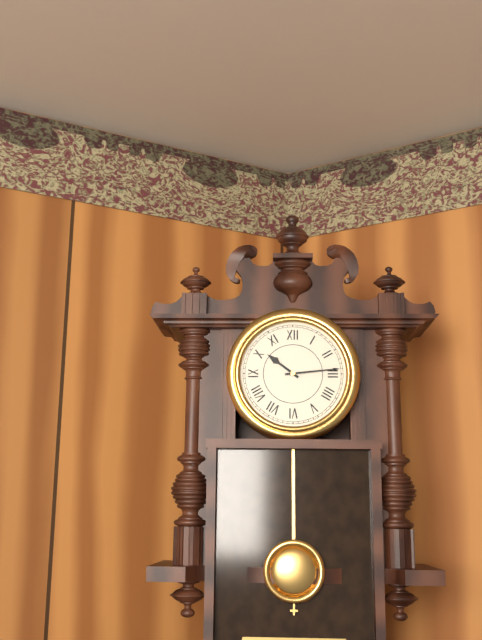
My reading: 10:14
